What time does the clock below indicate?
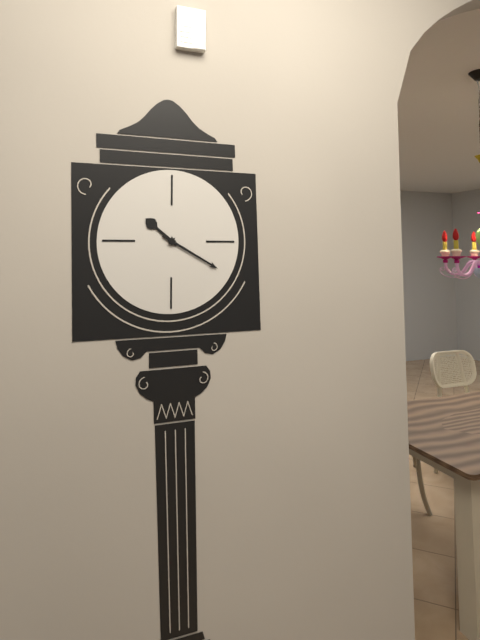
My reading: 10:20
